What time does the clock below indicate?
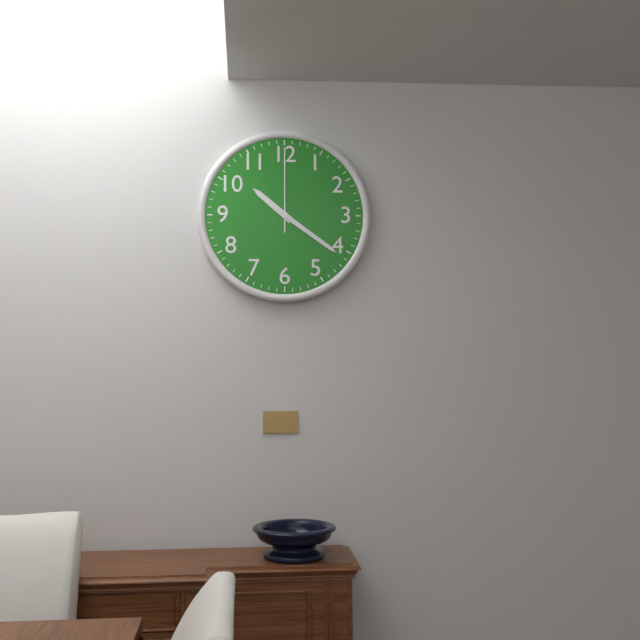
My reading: 10:21:00
